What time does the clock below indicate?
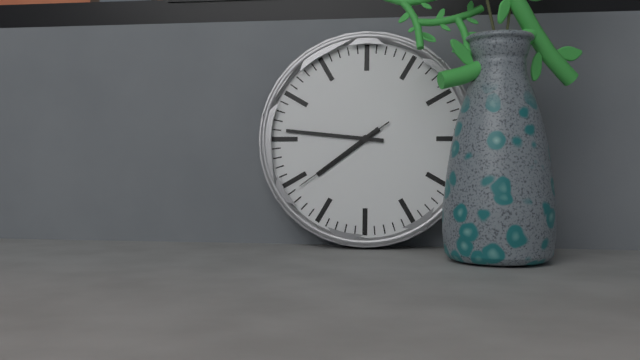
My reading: 7:46:39
